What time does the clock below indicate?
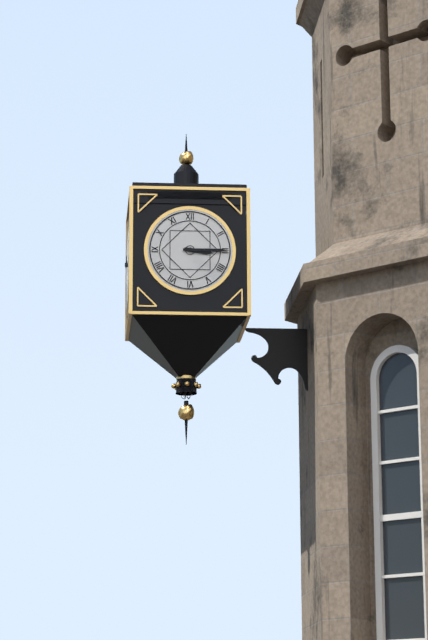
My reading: 3:15
